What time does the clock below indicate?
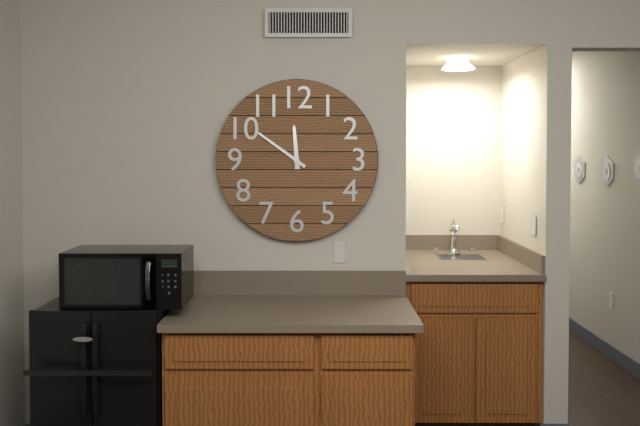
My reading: 11:51
